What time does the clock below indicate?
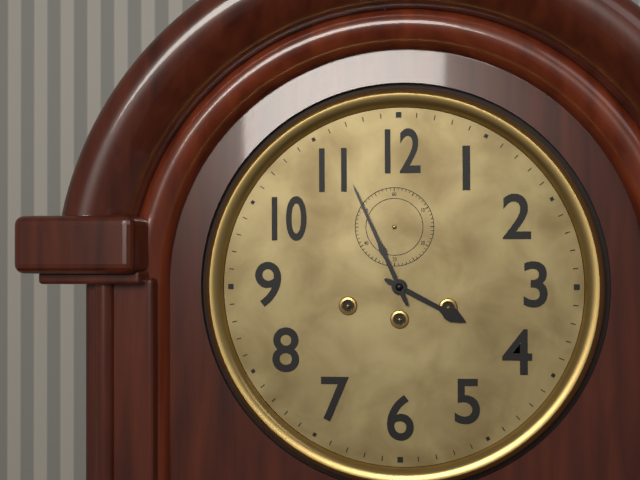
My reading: 3:56
